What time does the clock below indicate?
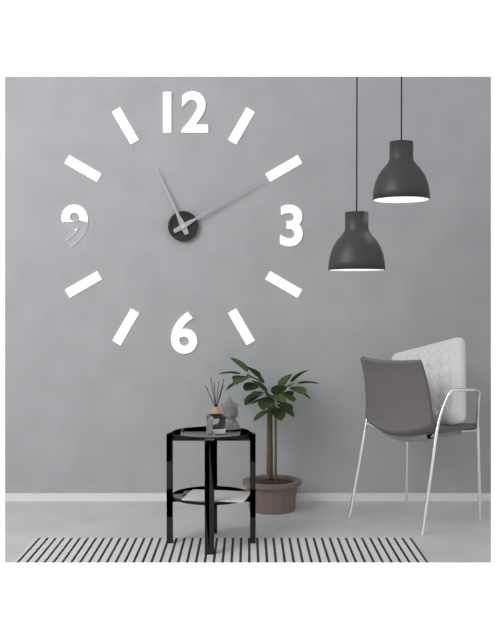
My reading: 11:10
